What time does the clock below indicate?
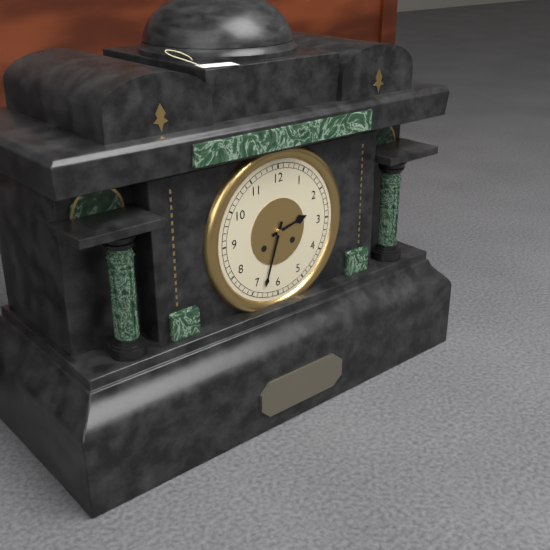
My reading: 2:33
